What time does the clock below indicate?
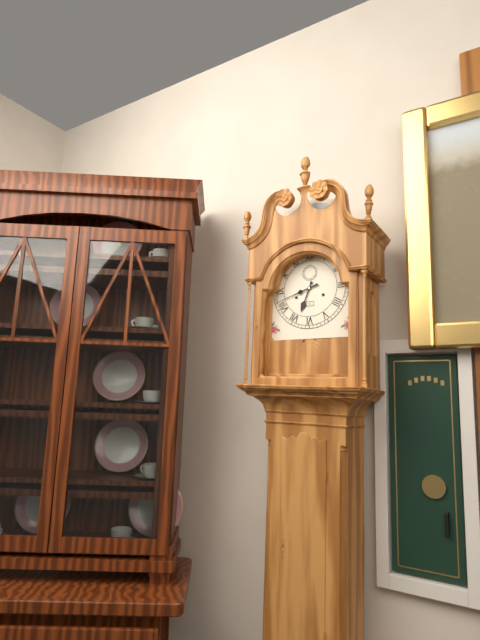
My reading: 6:42
